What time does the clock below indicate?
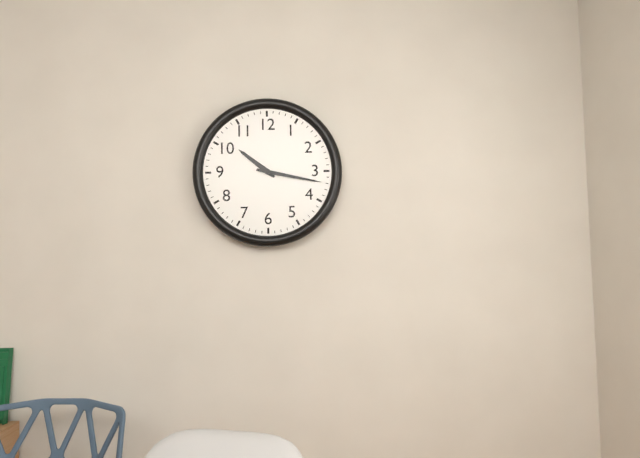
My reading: 10:17
